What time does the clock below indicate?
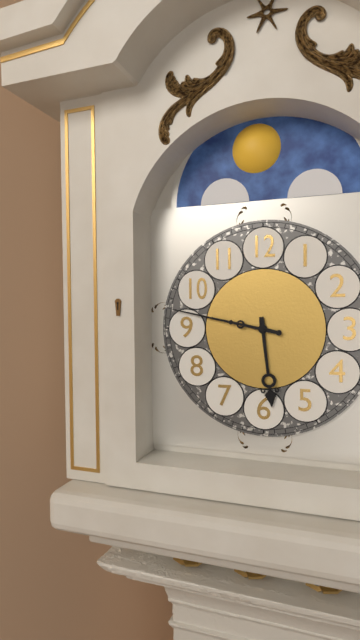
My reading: 5:47
